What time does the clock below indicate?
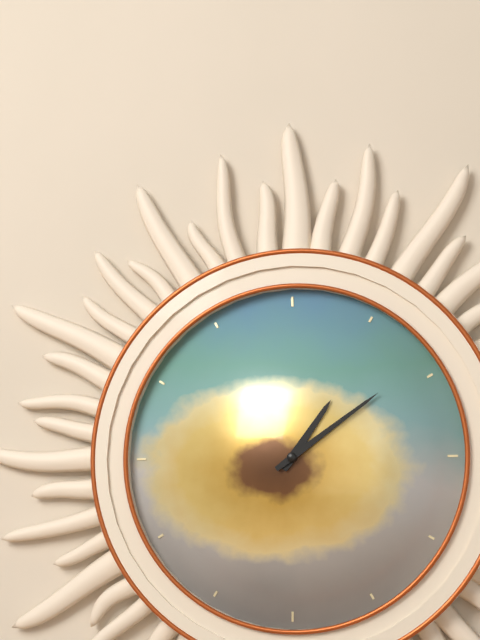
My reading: 1:09
